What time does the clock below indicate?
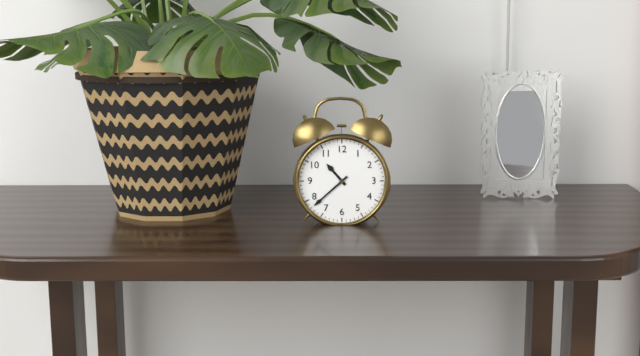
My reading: 10:38
